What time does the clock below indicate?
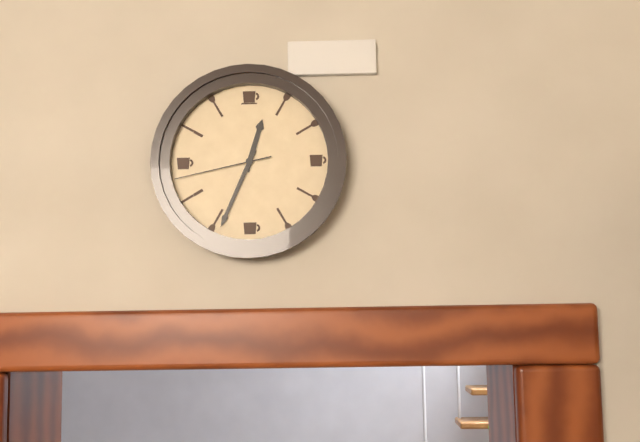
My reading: 12:34:43
